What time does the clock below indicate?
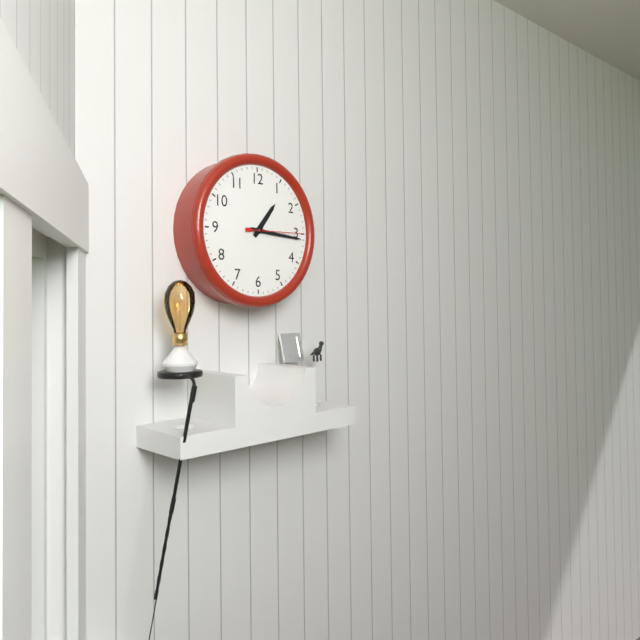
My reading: 1:16:15
